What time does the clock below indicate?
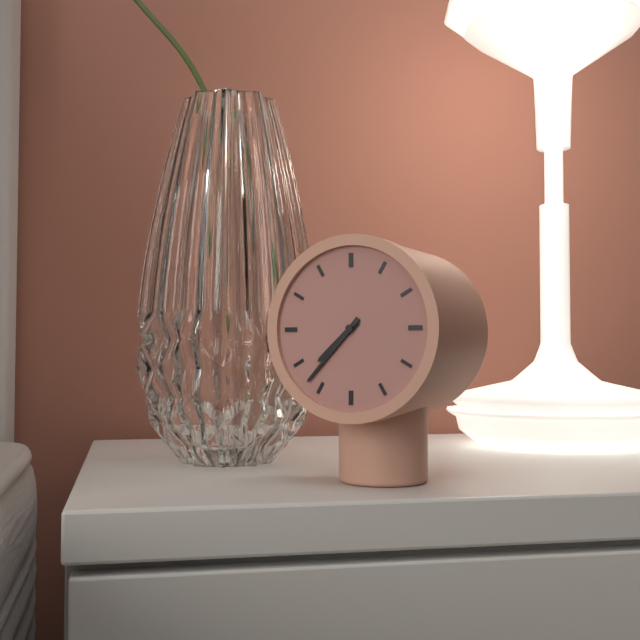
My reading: 7:37
